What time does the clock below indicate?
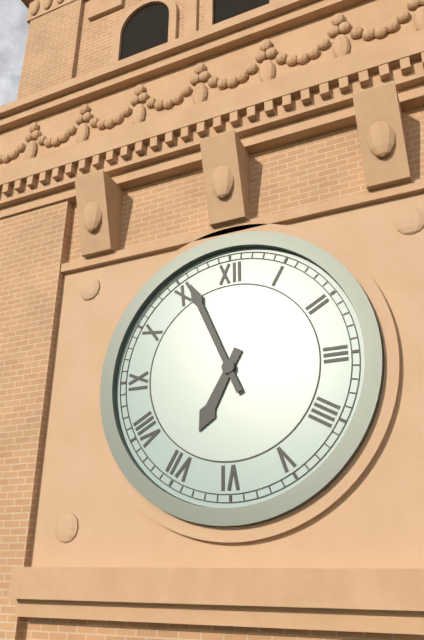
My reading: 6:56
